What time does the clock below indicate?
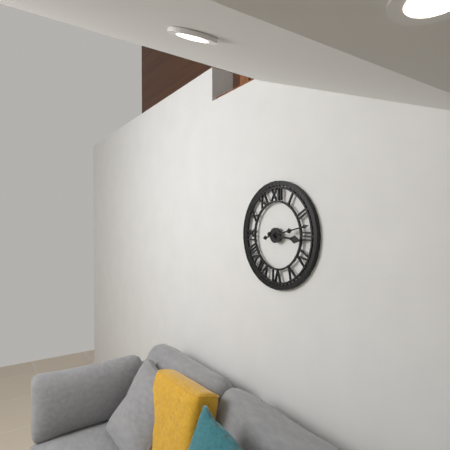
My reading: 3:13
